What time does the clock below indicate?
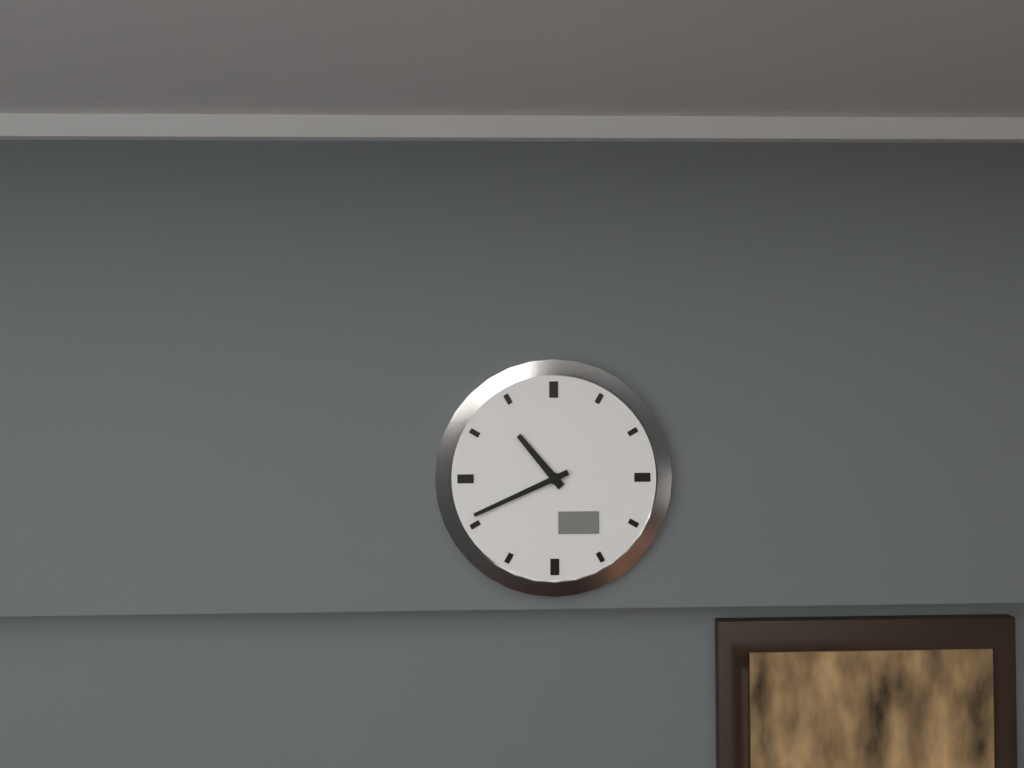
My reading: 10:41
